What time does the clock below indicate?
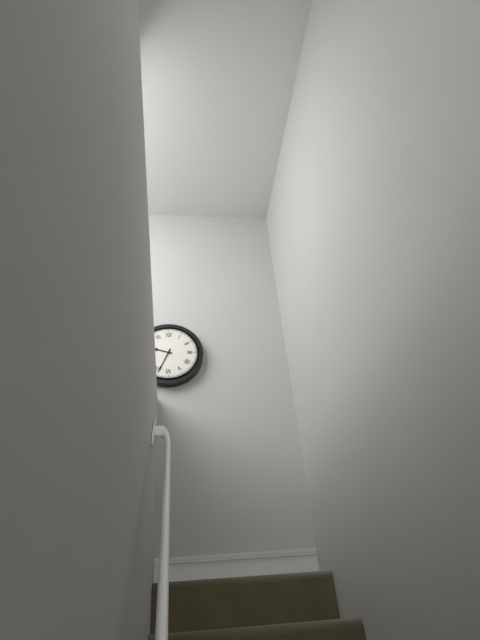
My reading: 9:34
